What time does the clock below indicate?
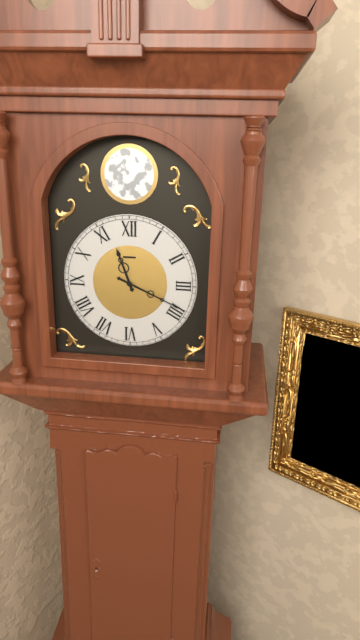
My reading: 11:19
